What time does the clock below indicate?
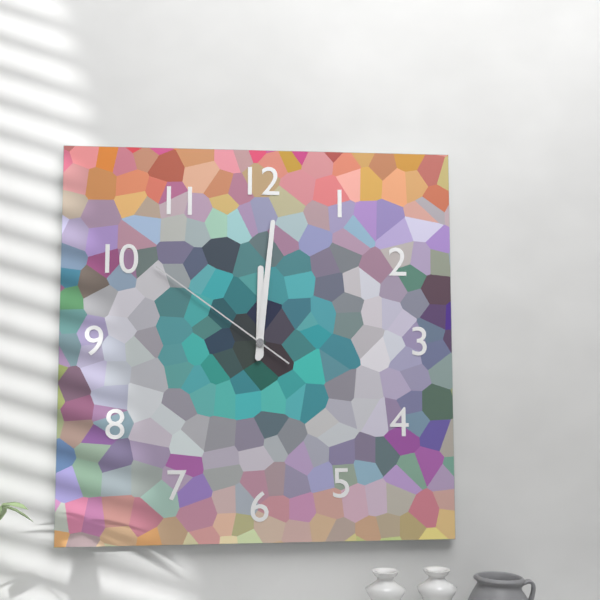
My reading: 12:01:51
